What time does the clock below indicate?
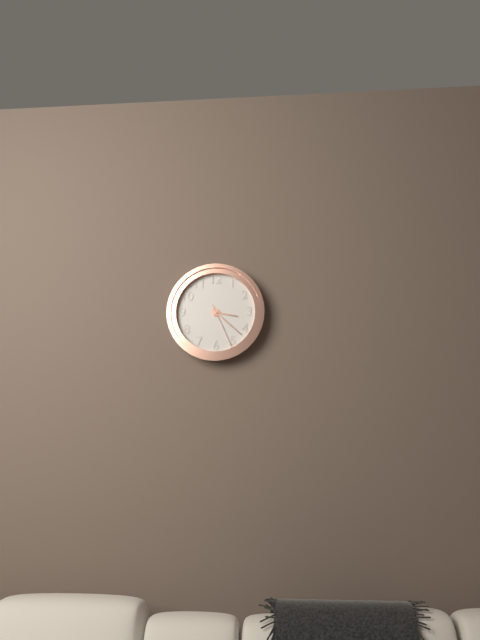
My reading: 3:22
